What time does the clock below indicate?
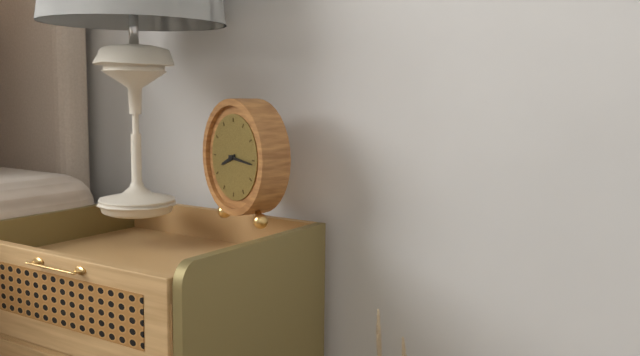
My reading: 8:16
